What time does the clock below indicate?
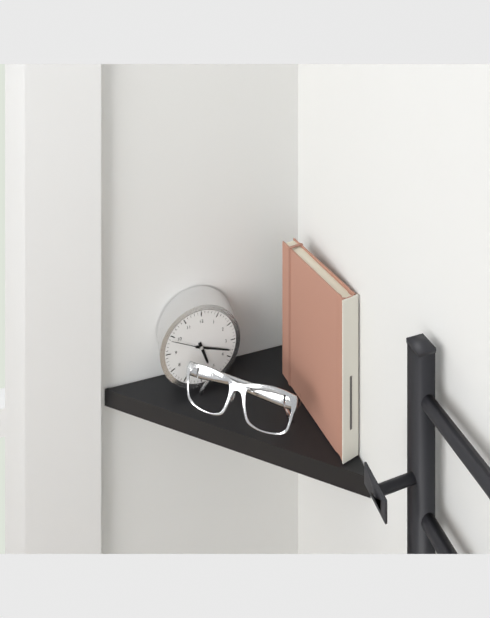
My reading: 5:18
